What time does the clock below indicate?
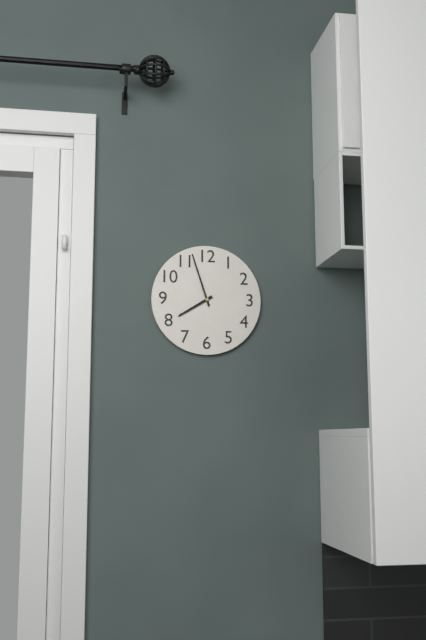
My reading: 7:57
